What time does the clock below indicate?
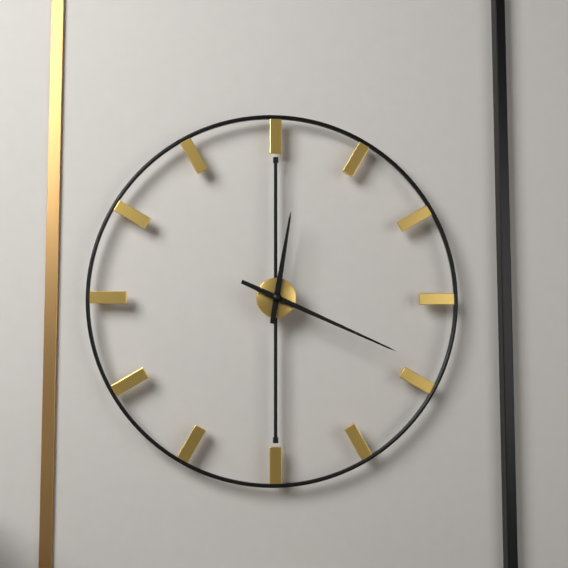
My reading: 12:19
